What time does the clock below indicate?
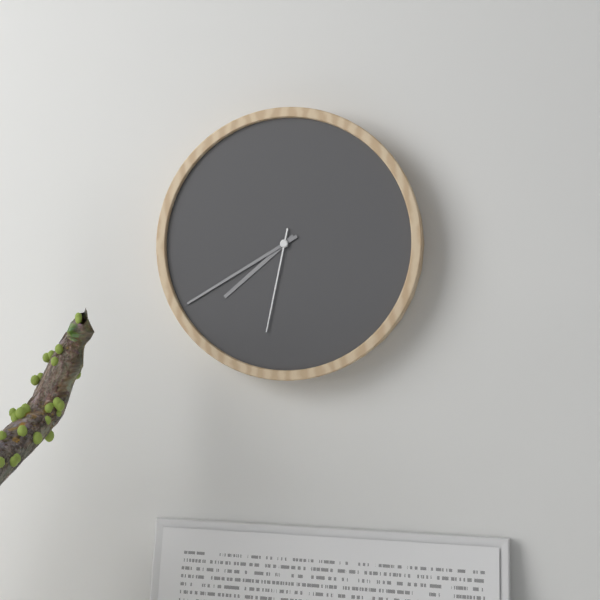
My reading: 7:40:32
